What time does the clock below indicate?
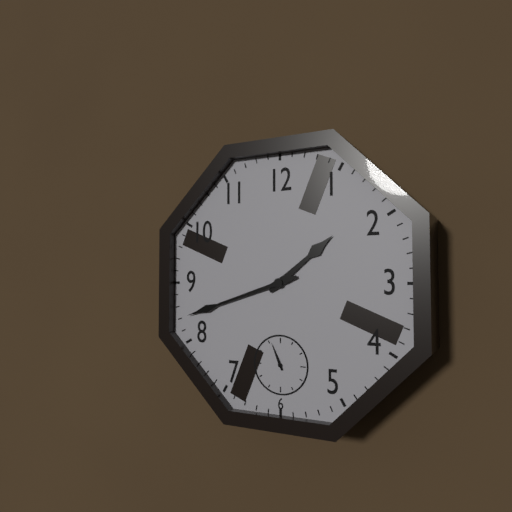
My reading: 1:42
